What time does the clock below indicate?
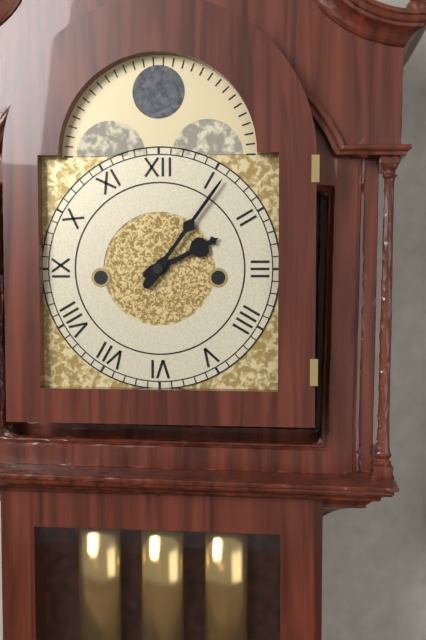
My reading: 2:06
